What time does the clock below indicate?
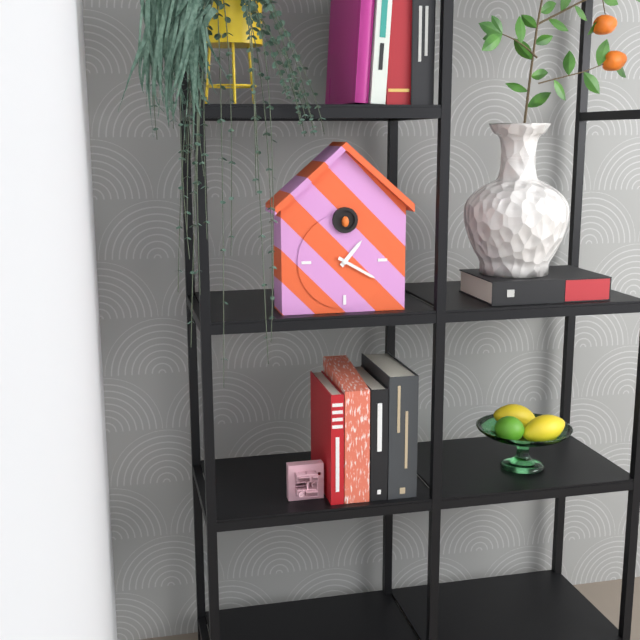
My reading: 1:20
